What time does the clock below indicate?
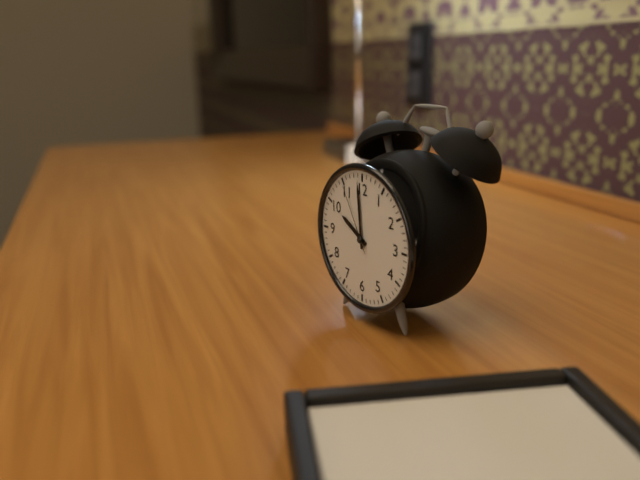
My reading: 9:59:55
